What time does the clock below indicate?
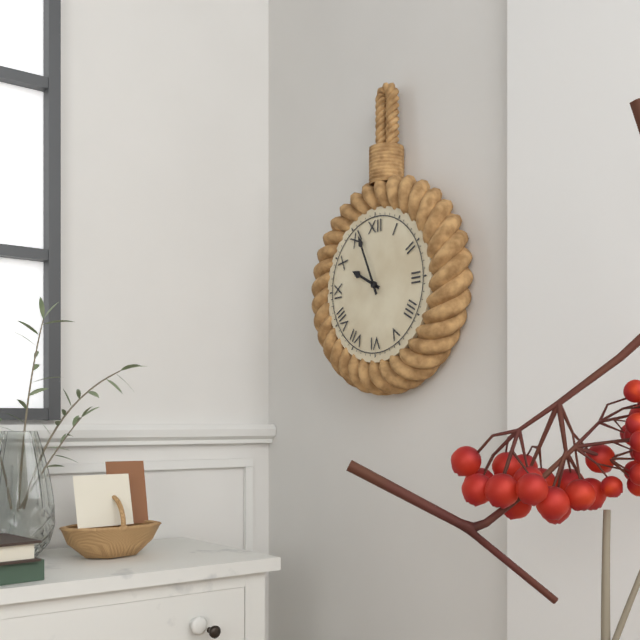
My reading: 9:56
